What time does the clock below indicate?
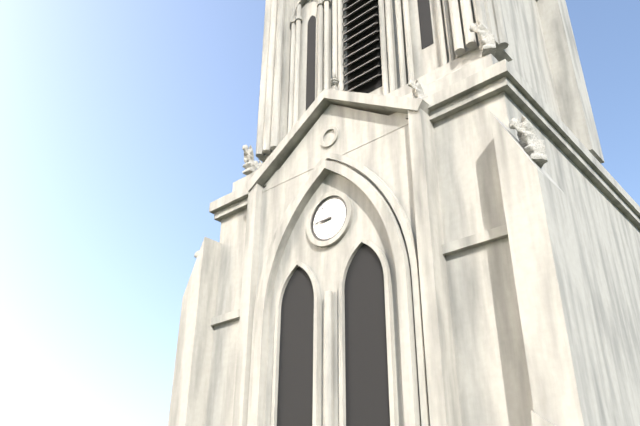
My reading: 8:45
